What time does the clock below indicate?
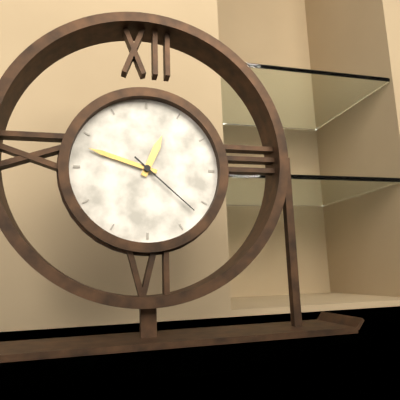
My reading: 12:48:22
